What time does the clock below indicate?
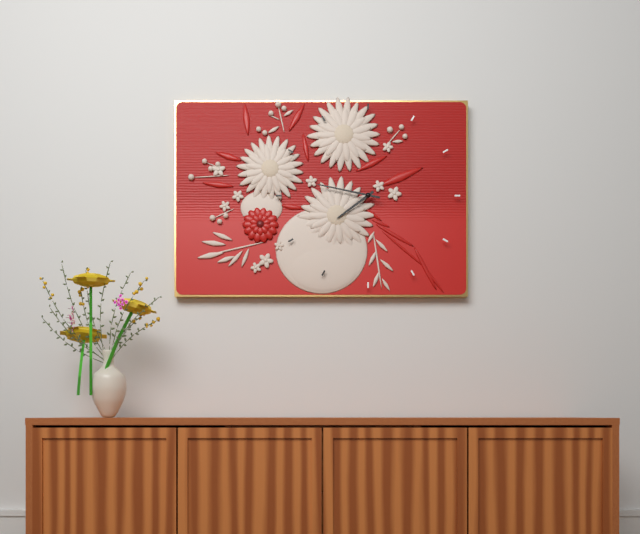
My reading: 7:47
